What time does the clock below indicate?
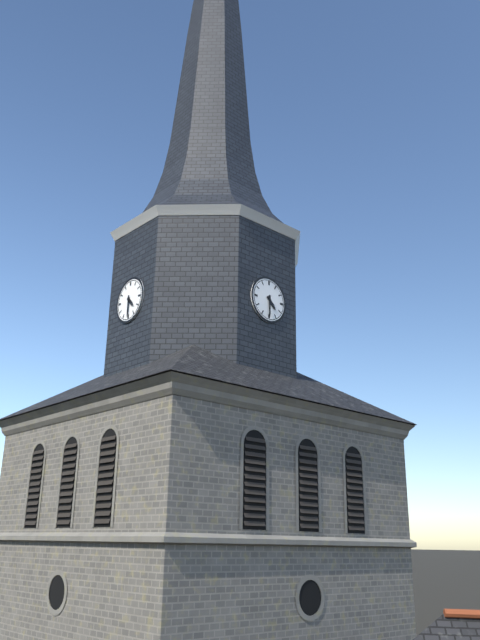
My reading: 4:30
